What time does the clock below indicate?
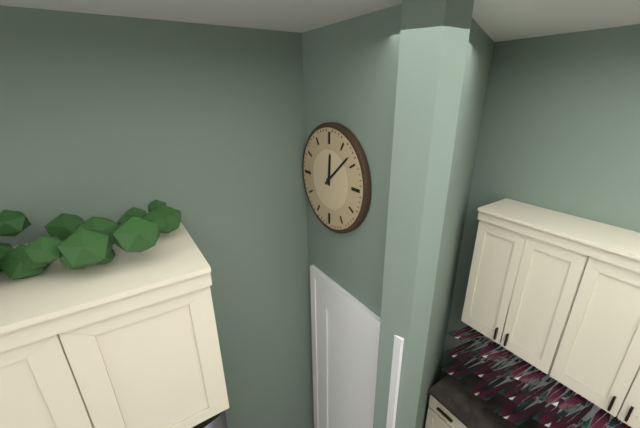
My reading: 12:08
